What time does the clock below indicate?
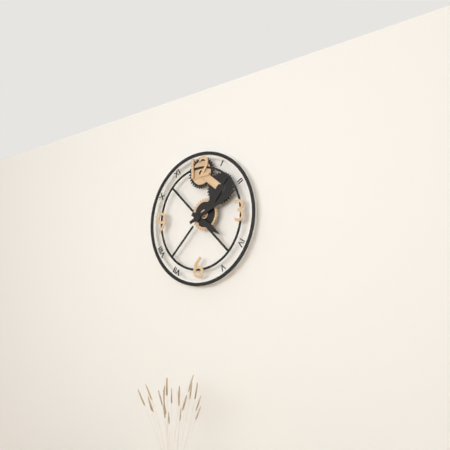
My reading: 4:11
